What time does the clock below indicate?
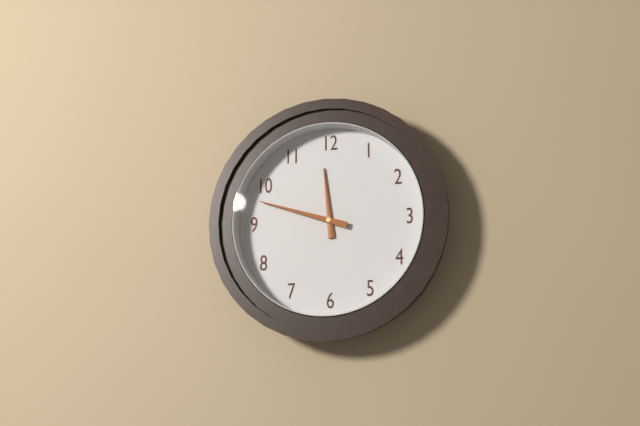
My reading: 11:48
